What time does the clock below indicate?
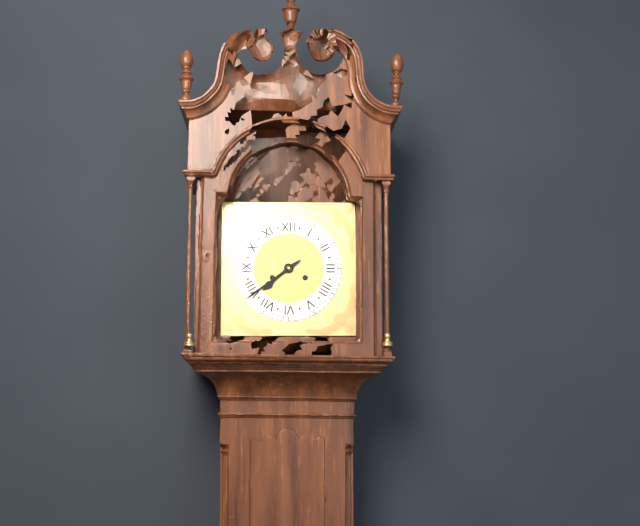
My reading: 7:39
